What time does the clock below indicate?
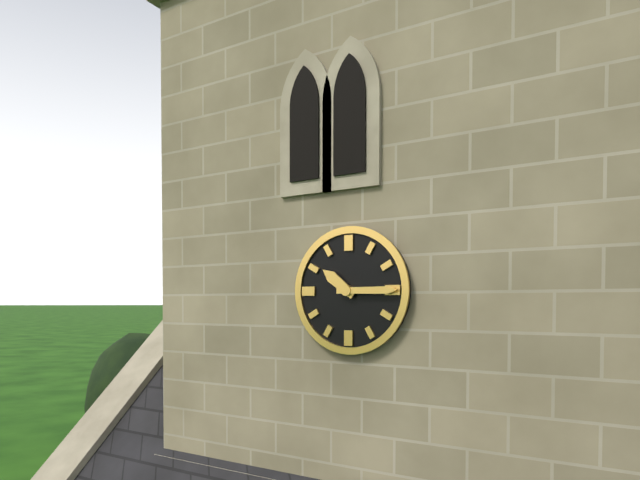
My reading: 10:15
